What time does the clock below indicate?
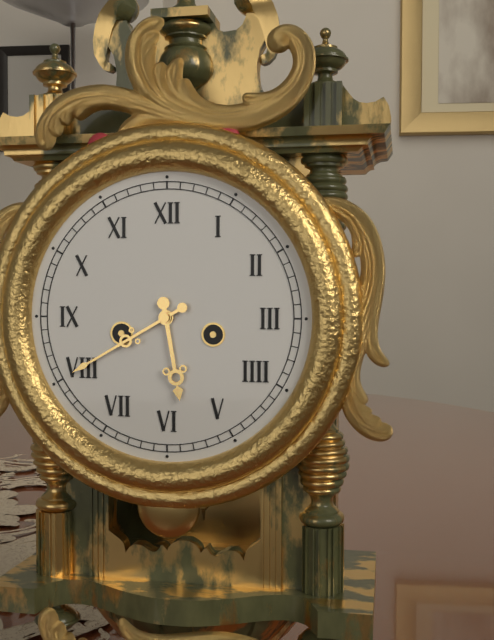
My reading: 5:40
